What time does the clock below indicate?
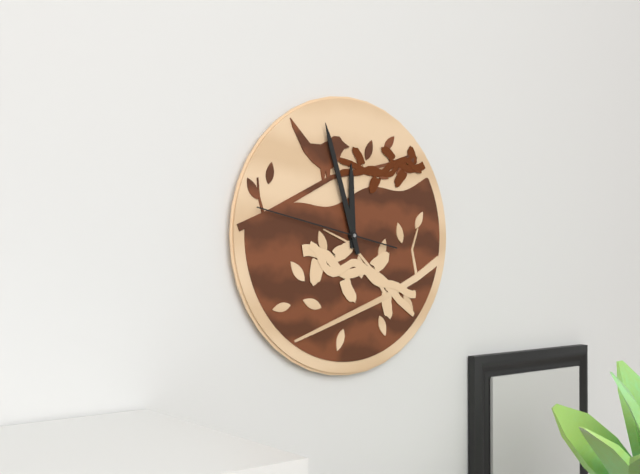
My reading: 11:57:47
